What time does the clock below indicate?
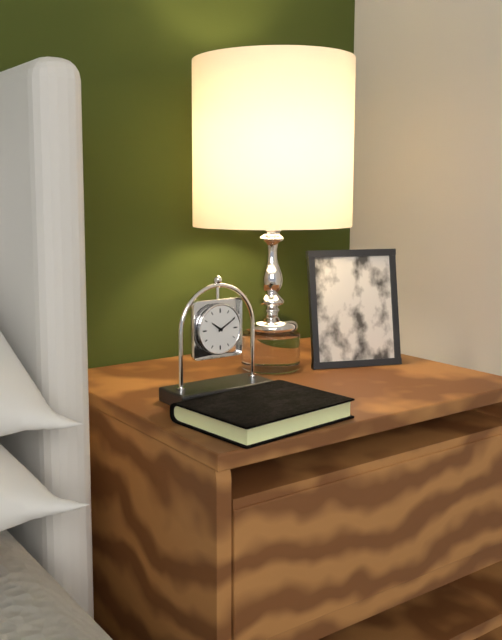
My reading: 10:10
